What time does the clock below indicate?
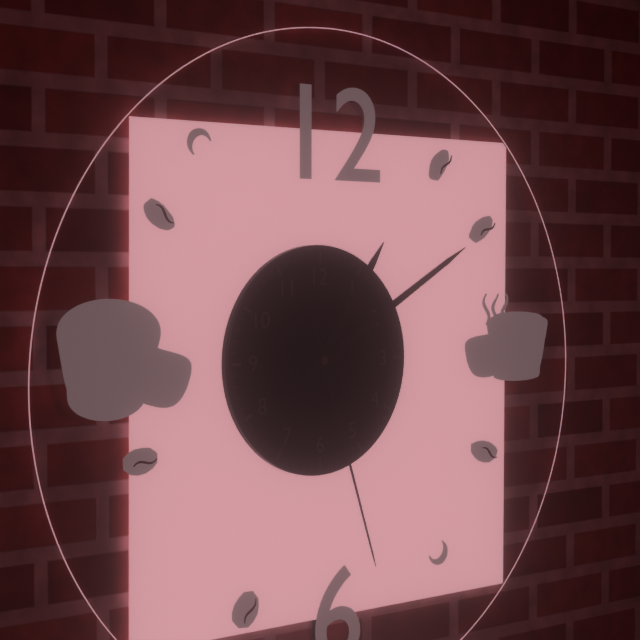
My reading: 1:10:27
